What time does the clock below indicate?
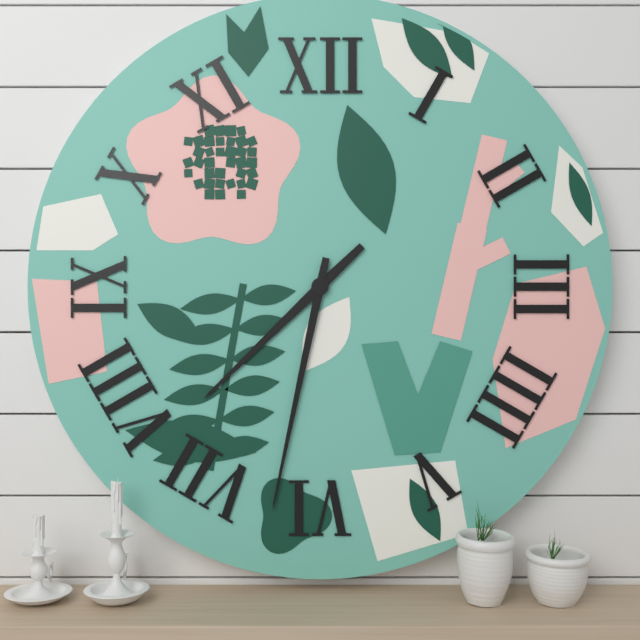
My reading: 7:32
